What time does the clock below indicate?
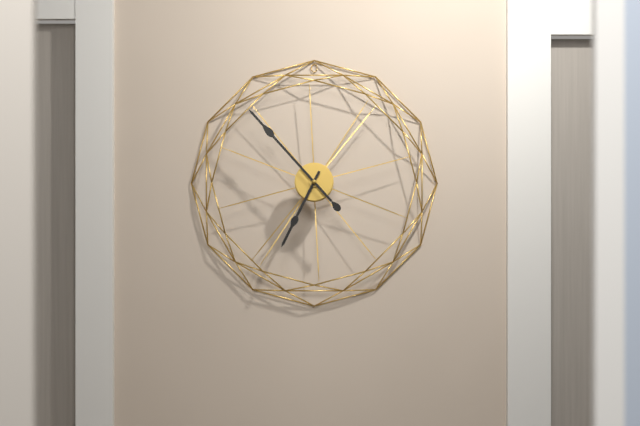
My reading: 6:53
